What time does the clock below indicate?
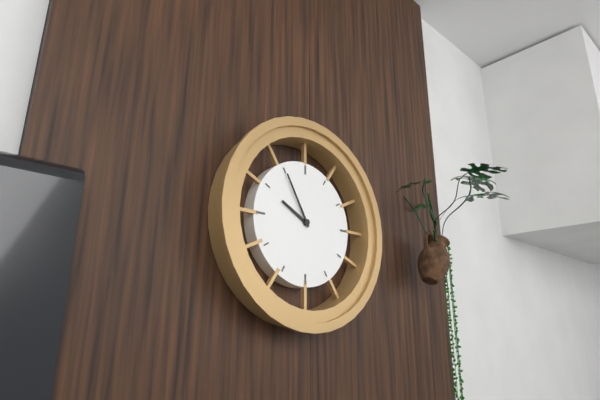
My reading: 9:55
